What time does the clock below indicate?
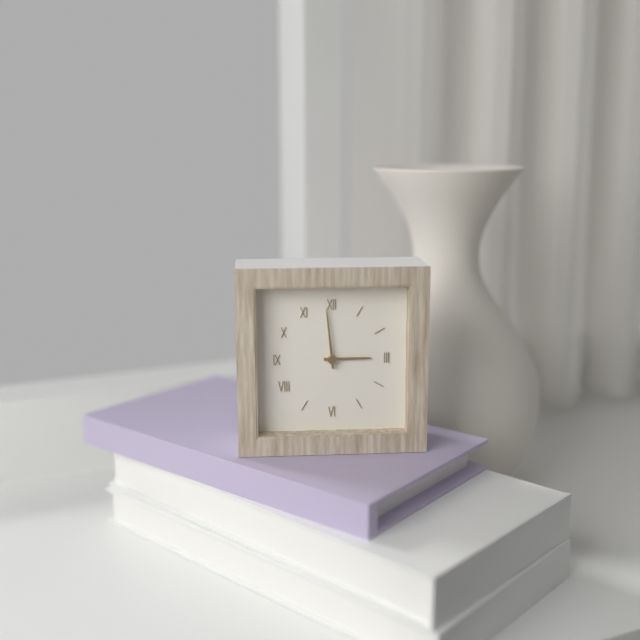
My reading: 2:59
